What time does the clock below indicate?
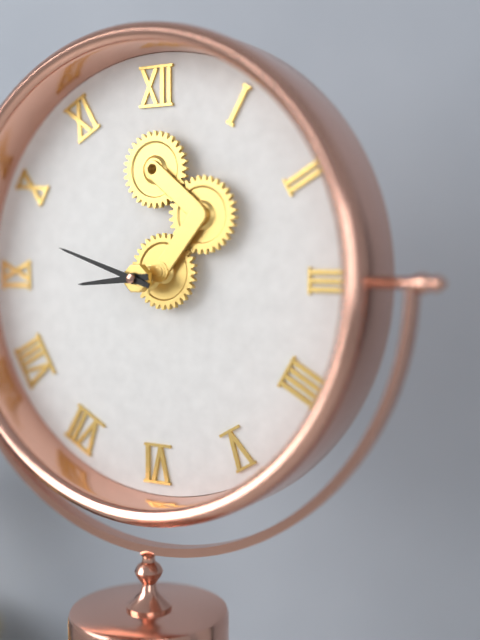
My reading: 8:48
